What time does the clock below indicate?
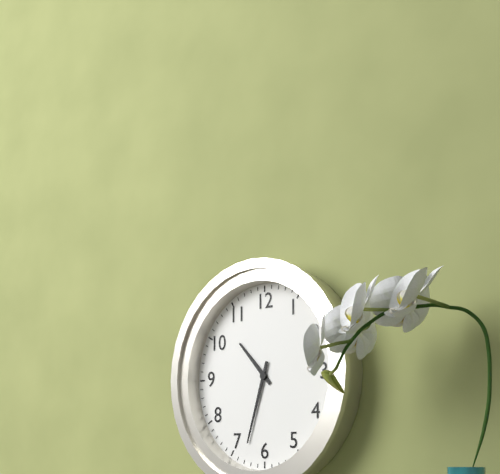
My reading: 10:33
